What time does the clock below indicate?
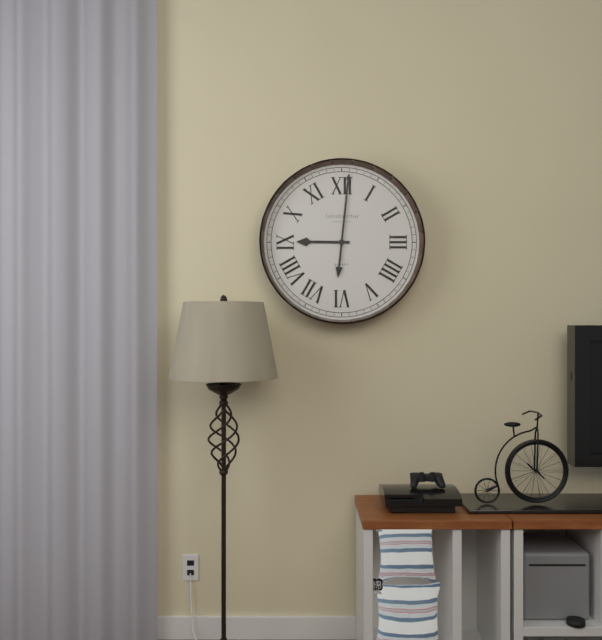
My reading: 9:01
